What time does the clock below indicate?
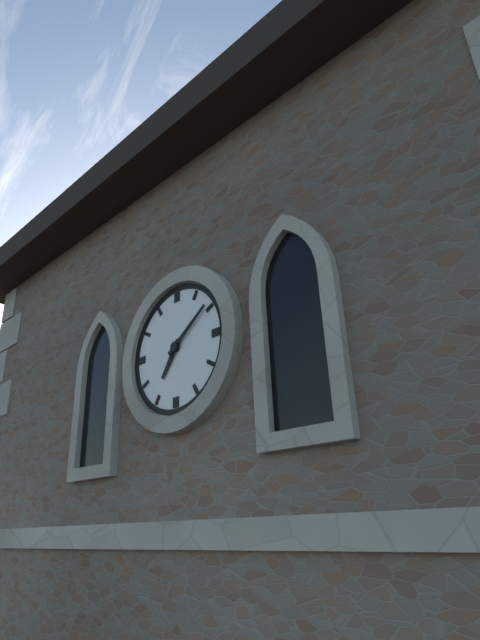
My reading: 7:09
